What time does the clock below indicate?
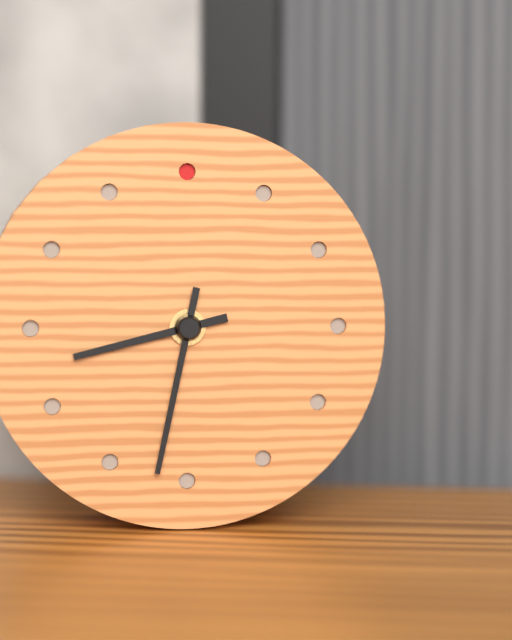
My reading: 8:32
